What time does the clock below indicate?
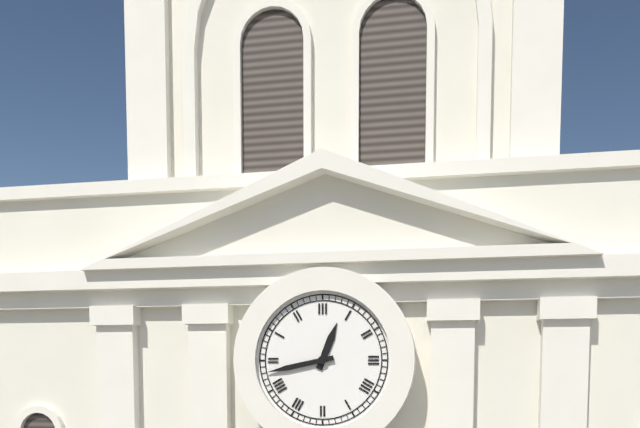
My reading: 12:43
